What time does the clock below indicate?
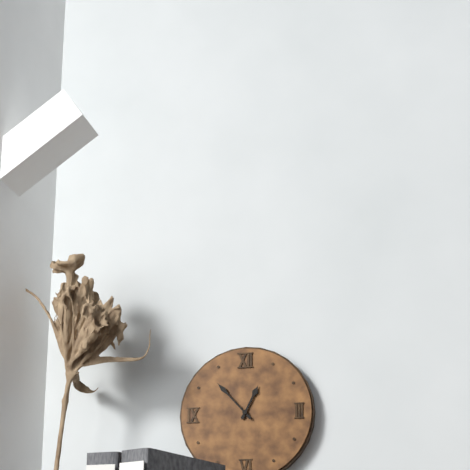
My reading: 12:53
